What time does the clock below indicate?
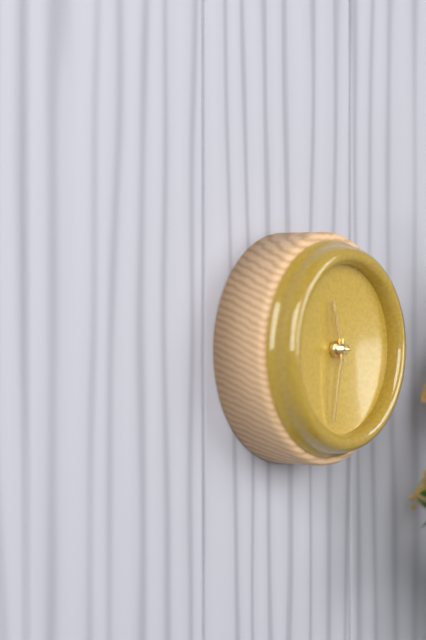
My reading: 11:32
